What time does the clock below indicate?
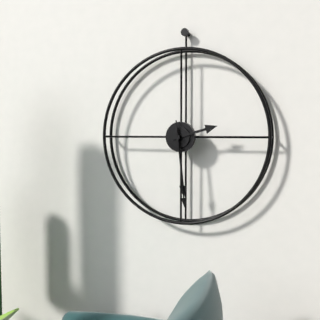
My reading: 2:29:29
